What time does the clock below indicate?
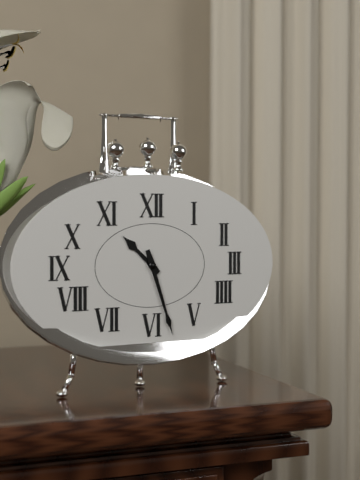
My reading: 10:27
